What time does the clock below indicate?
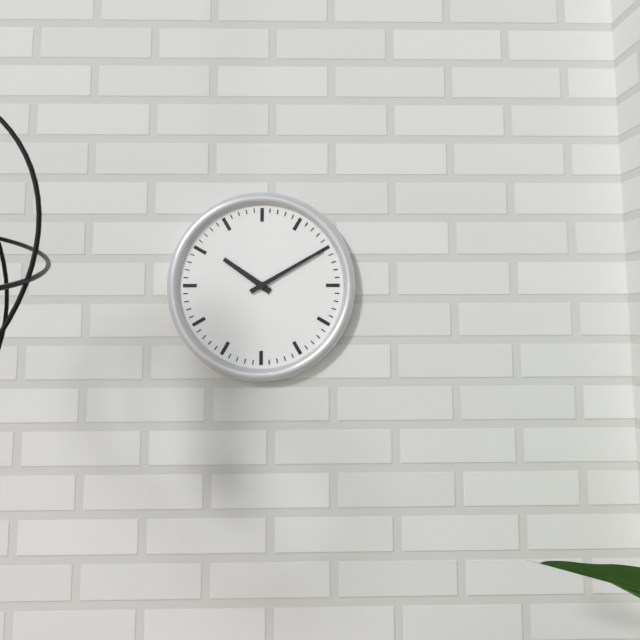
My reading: 10:10
